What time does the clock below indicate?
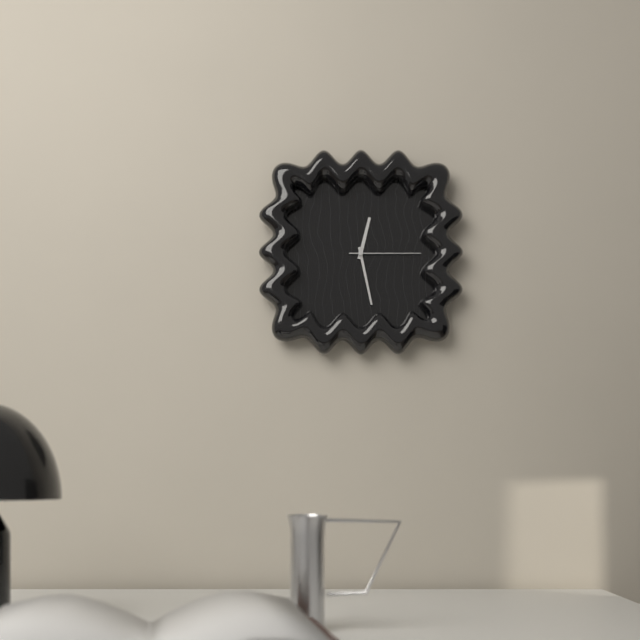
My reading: 12:28:15
